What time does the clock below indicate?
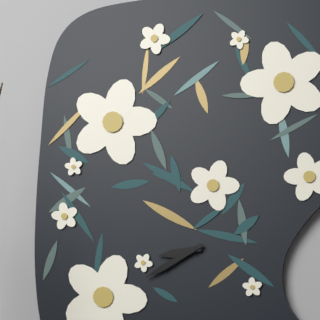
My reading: 8:40
